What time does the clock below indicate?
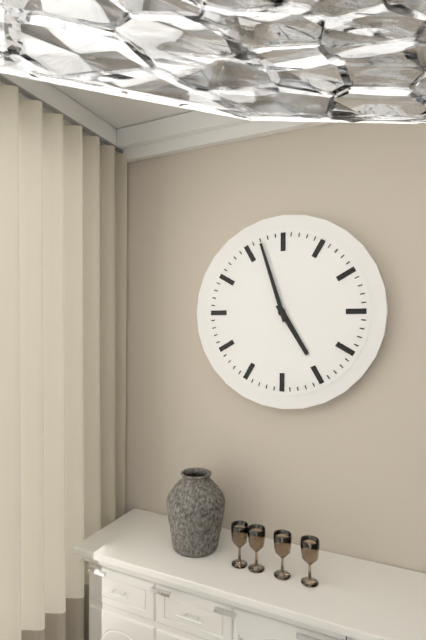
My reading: 4:57
